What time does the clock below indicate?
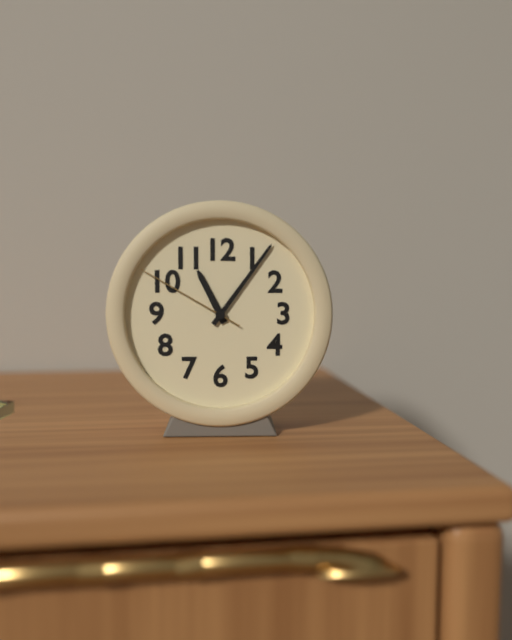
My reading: 11:06:50
